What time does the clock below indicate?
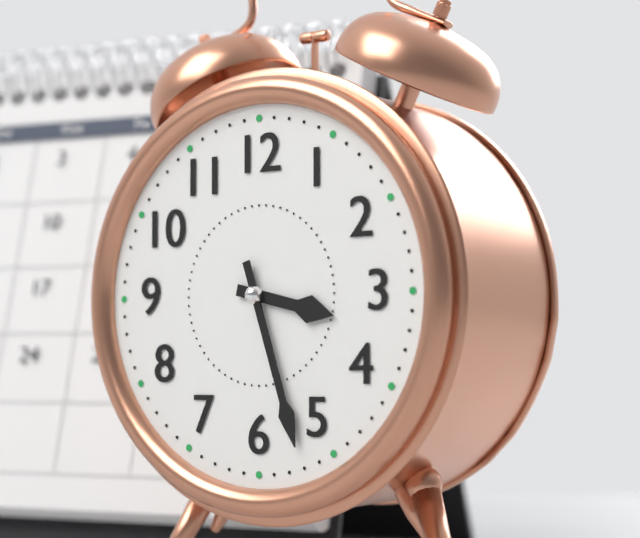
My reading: 3:27
